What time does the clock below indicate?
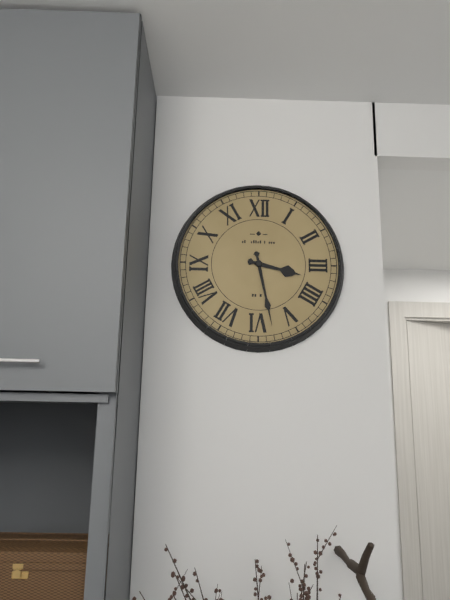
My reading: 3:28
